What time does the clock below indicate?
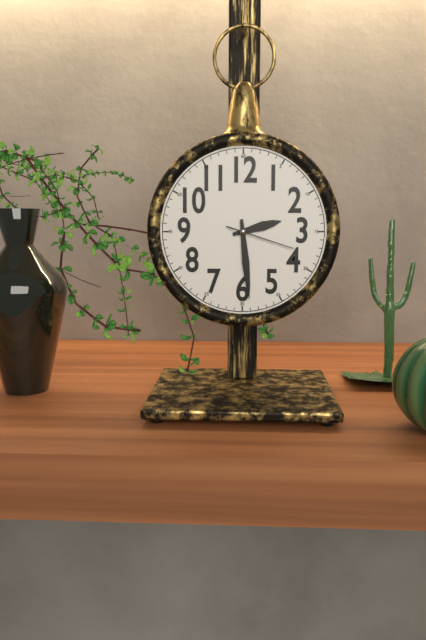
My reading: 2:29:18
